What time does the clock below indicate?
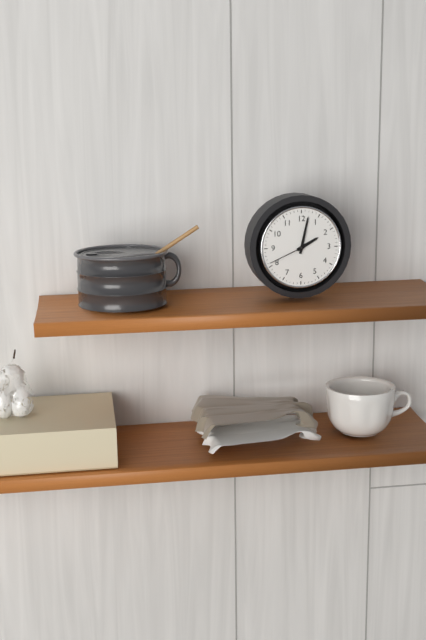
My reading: 2:02
